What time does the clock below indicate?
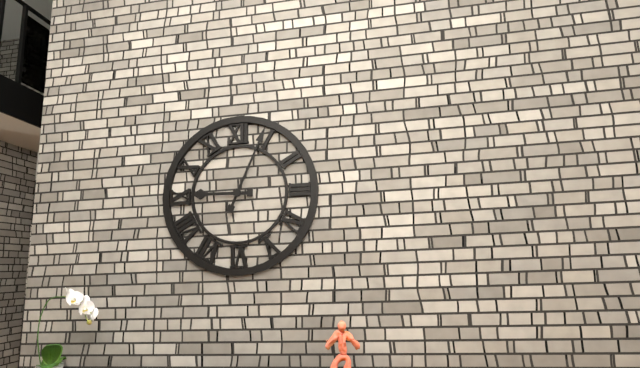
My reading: 9:04
